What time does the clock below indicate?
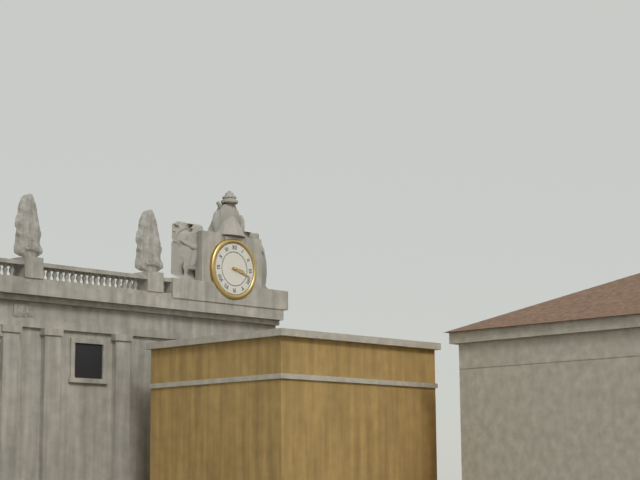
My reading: 3:18
